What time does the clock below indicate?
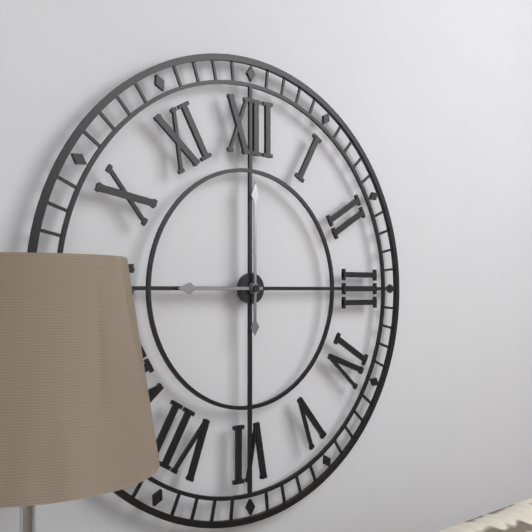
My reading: 9:00
